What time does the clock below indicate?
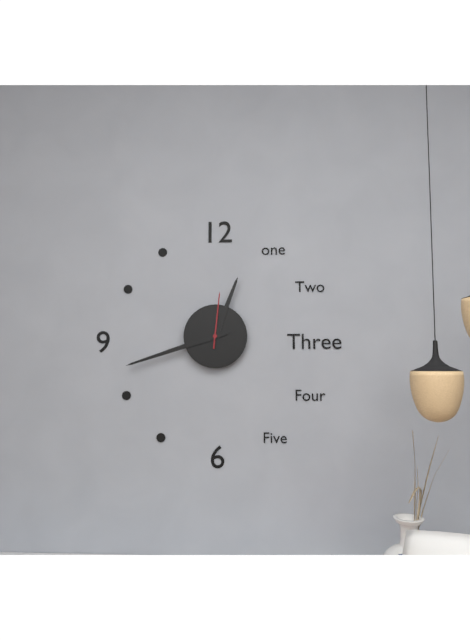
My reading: 12:42:01
